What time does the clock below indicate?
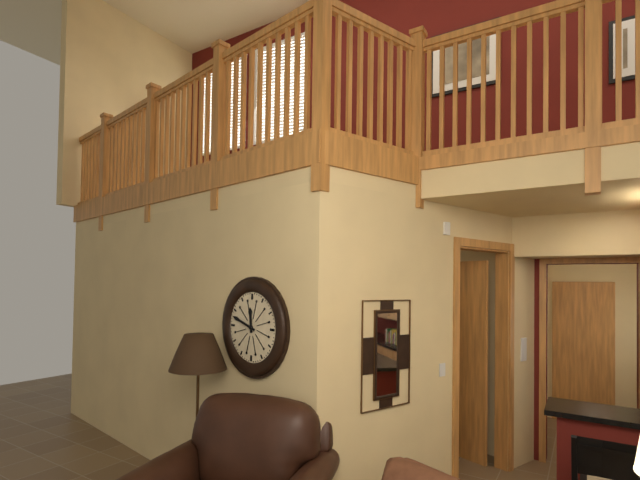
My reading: 11:48
